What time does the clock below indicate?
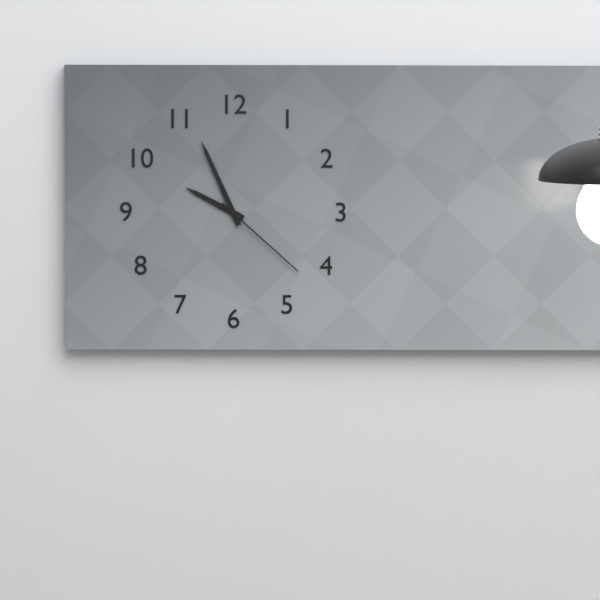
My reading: 9:56:22
